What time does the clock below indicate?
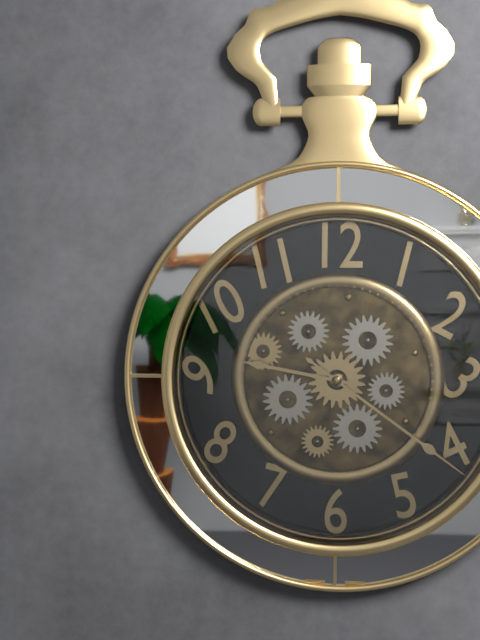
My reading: 9:21
